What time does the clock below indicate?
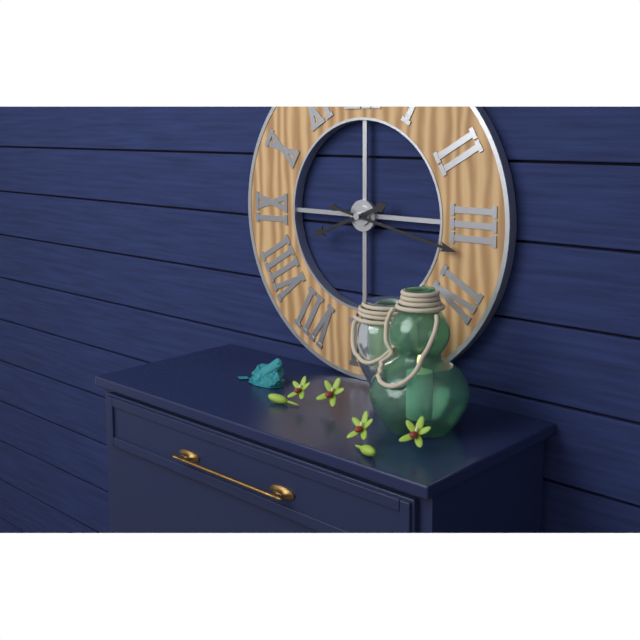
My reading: 8:17
